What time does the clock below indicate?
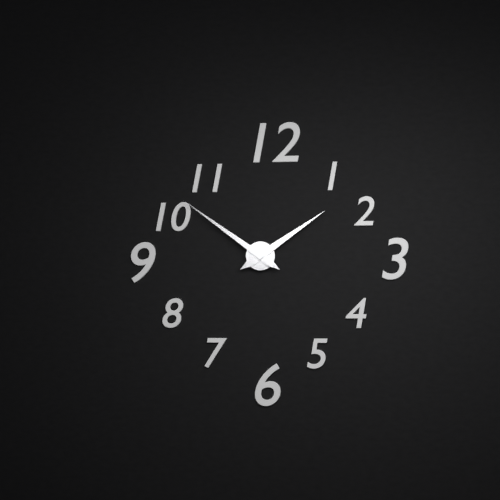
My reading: 1:51
